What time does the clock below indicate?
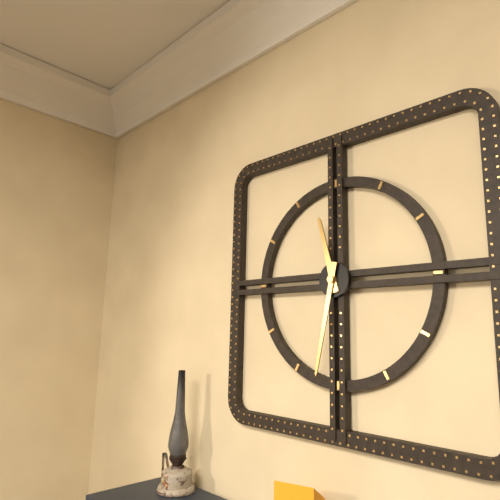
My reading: 11:32
